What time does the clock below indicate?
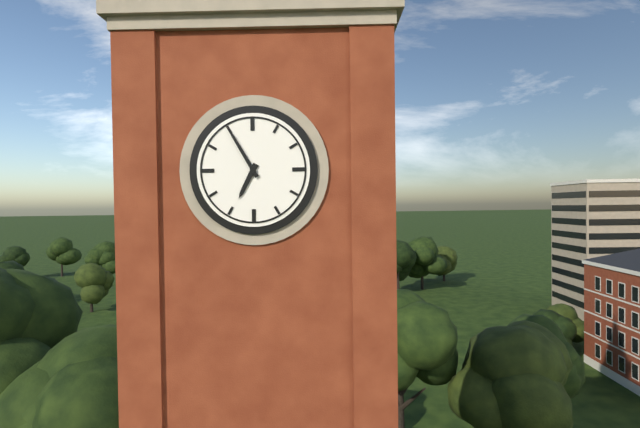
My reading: 6:55
